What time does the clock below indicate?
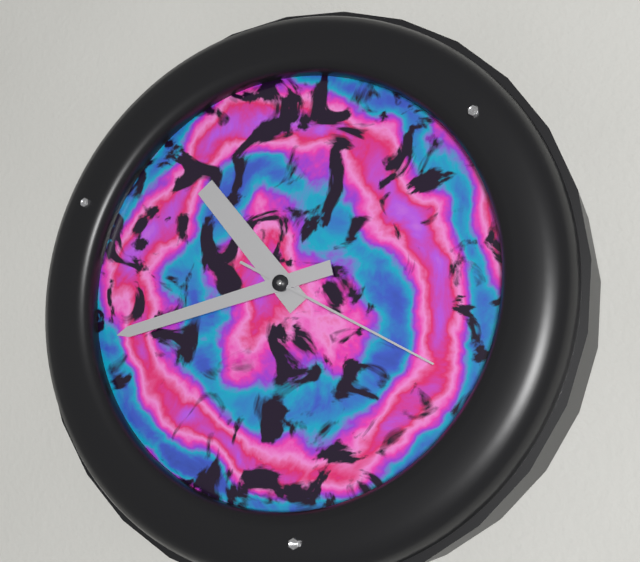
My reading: 10:43:20
